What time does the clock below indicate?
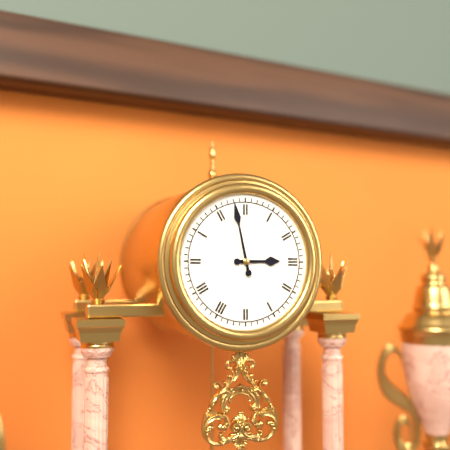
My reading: 2:58
